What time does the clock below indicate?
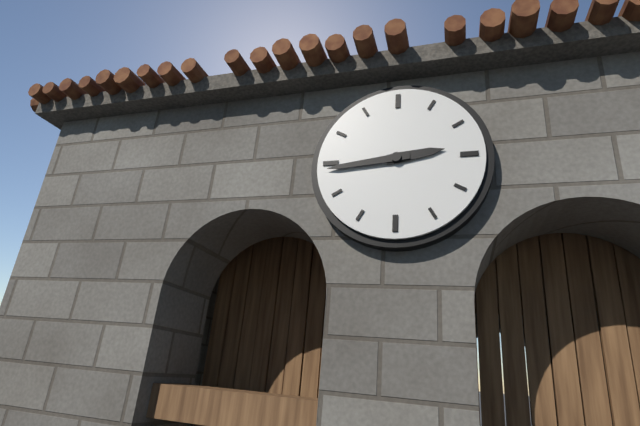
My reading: 2:44
